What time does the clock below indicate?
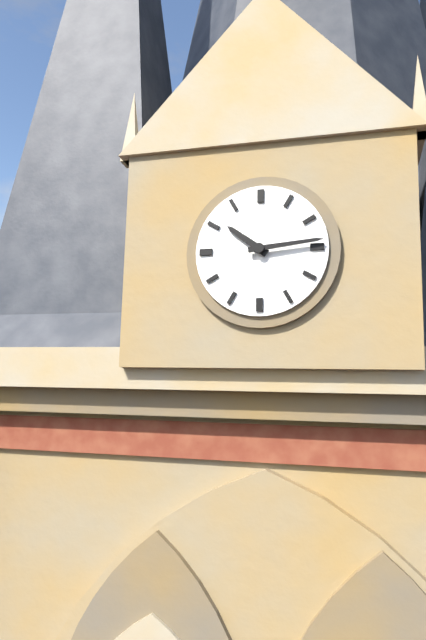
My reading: 10:14
